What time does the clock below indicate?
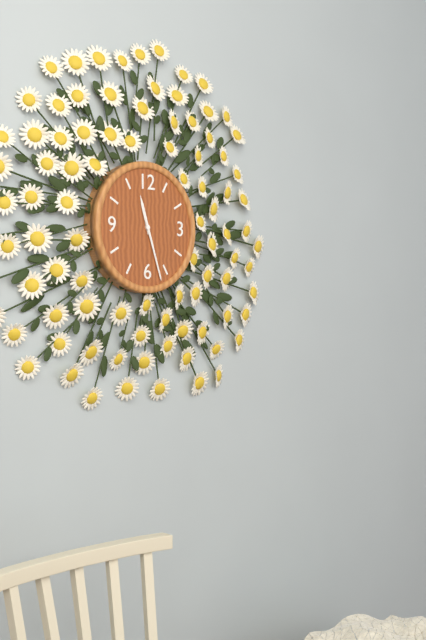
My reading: 11:27
